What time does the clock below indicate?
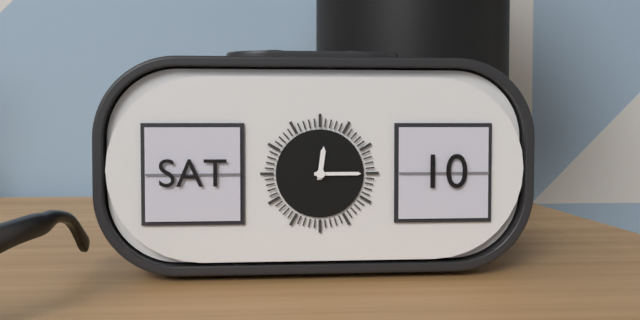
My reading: 12:15
